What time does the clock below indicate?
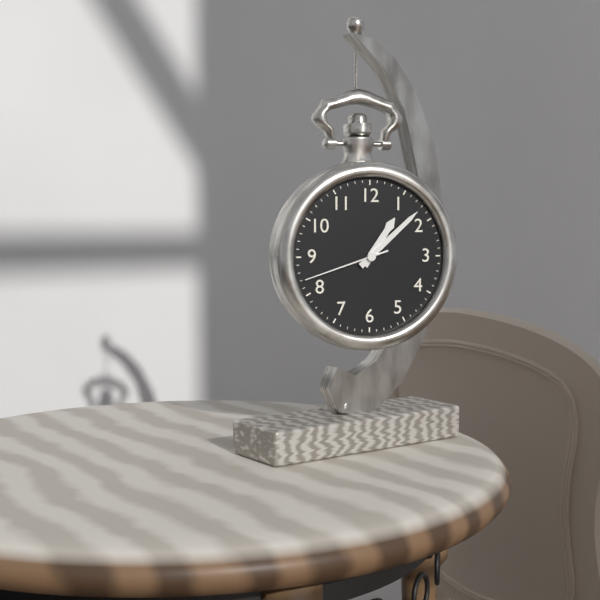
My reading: 1:08:42
